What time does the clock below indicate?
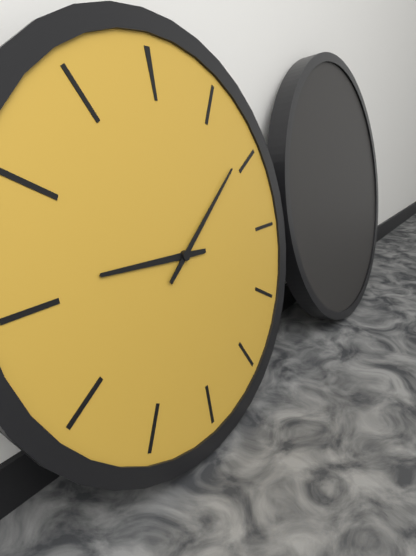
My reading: 9:09
